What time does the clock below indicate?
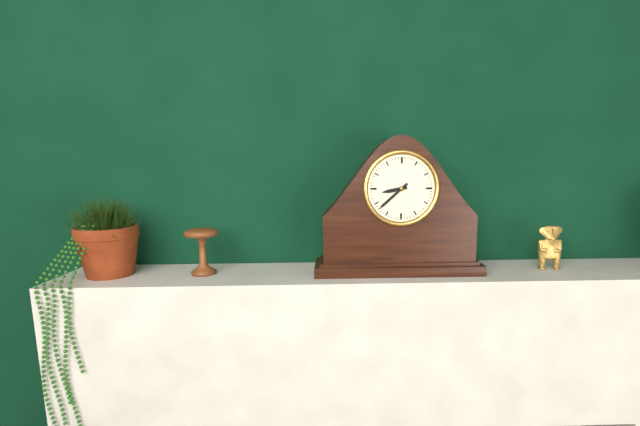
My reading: 8:38
